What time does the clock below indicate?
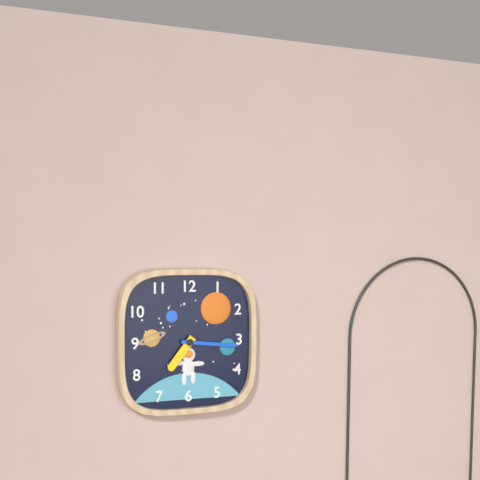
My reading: 7:16
